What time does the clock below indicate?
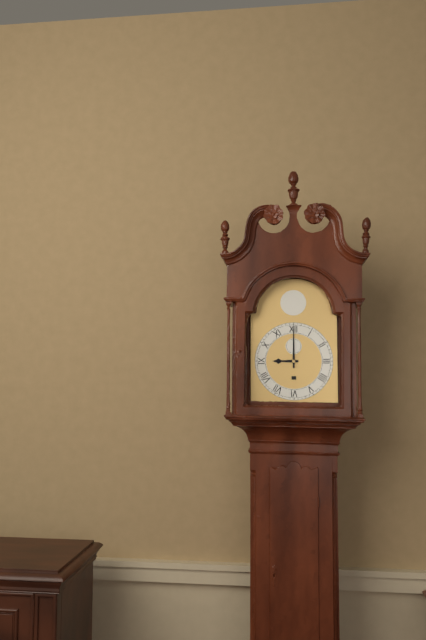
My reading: 9:00
